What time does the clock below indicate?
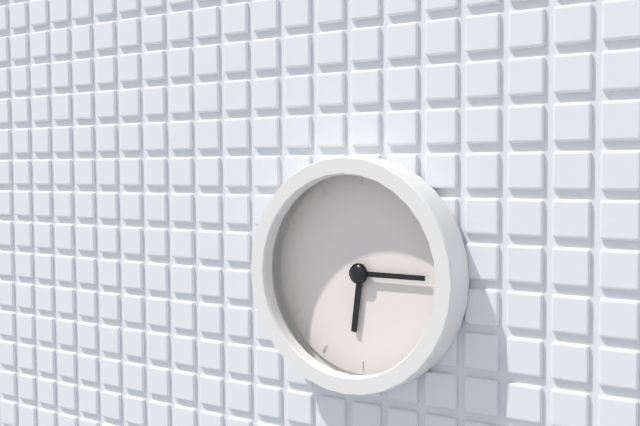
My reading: 6:15
